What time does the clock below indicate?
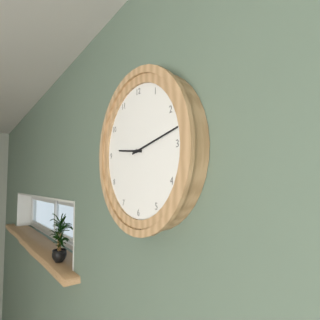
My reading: 9:13
